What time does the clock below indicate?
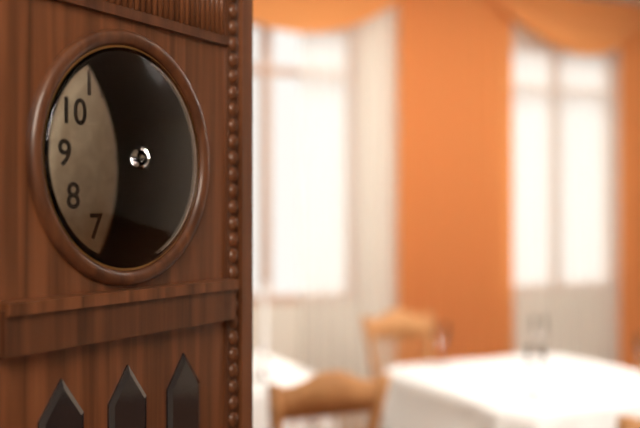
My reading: 3:02
